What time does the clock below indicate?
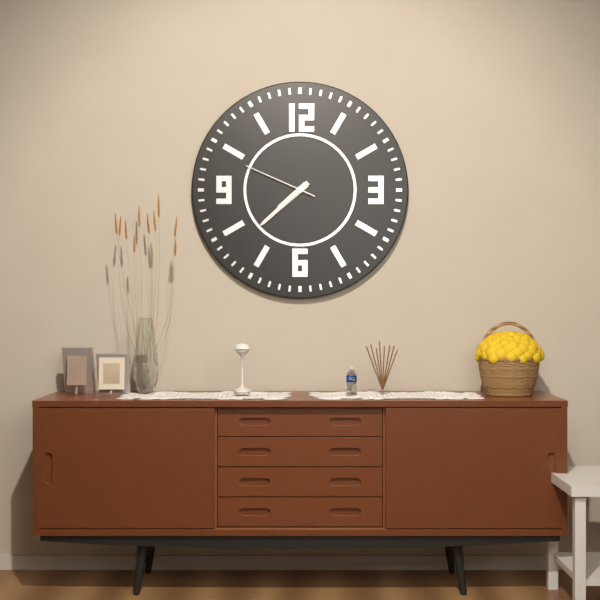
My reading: 7:38:49
